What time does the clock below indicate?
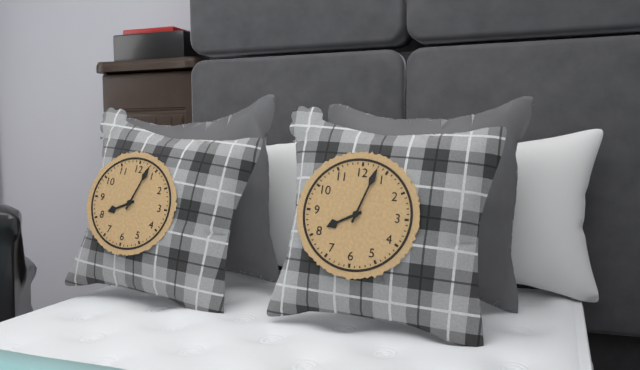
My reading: 8:03
